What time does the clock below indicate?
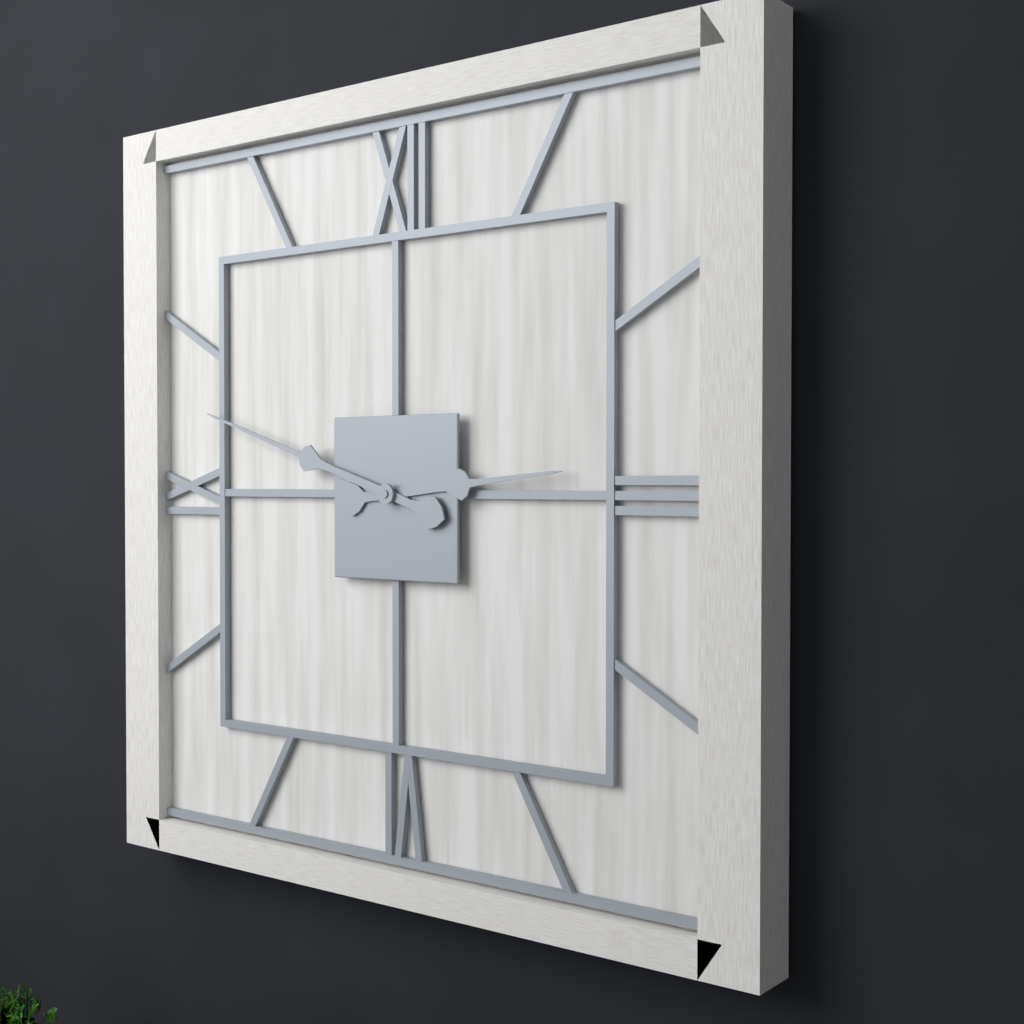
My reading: 2:48
